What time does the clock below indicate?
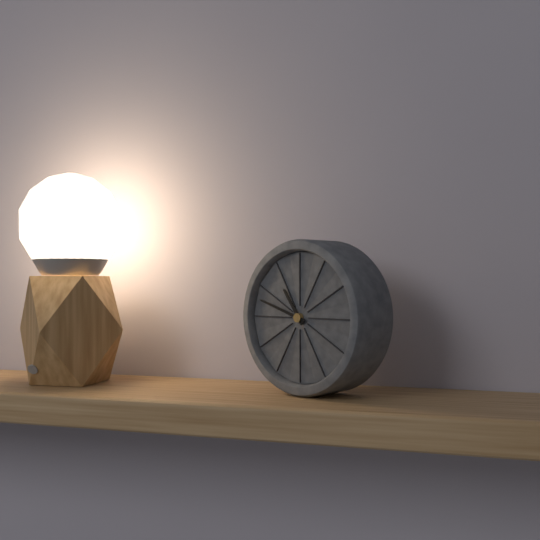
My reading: 10:48
